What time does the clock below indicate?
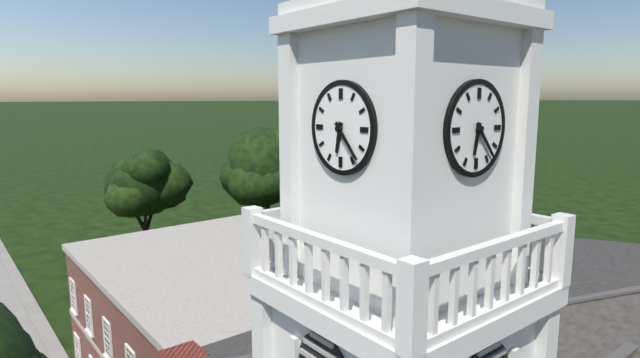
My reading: 6:23
